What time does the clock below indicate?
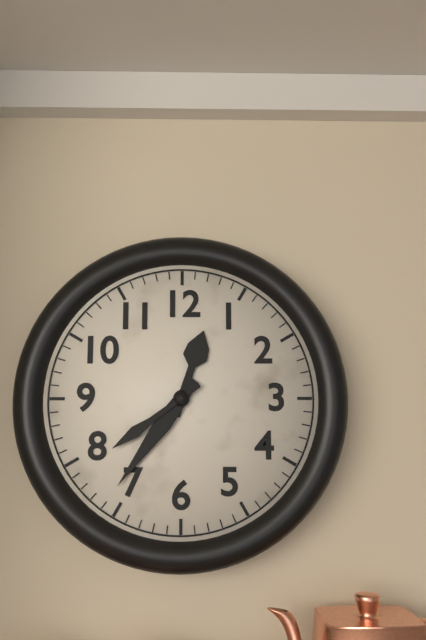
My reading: 12:36:39
